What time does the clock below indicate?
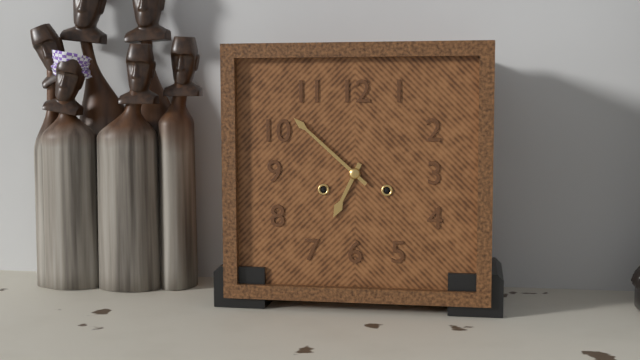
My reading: 6:52
